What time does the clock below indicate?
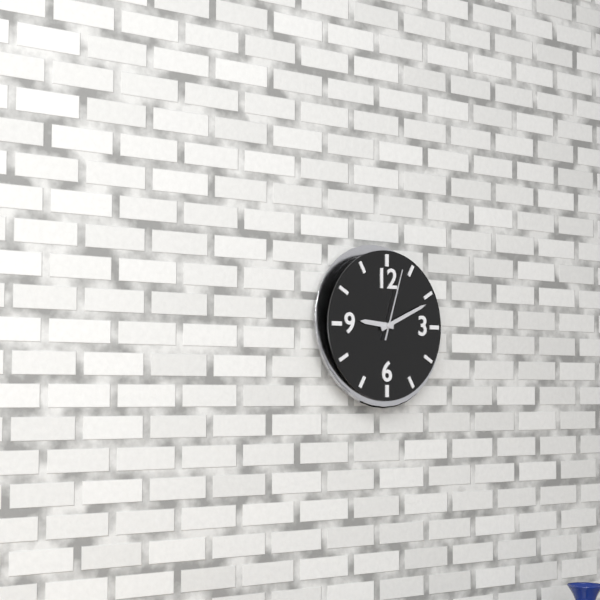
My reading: 9:11:03
